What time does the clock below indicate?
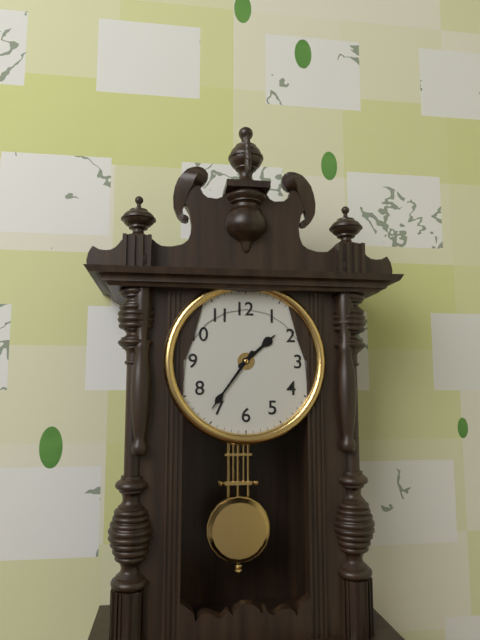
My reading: 1:36
